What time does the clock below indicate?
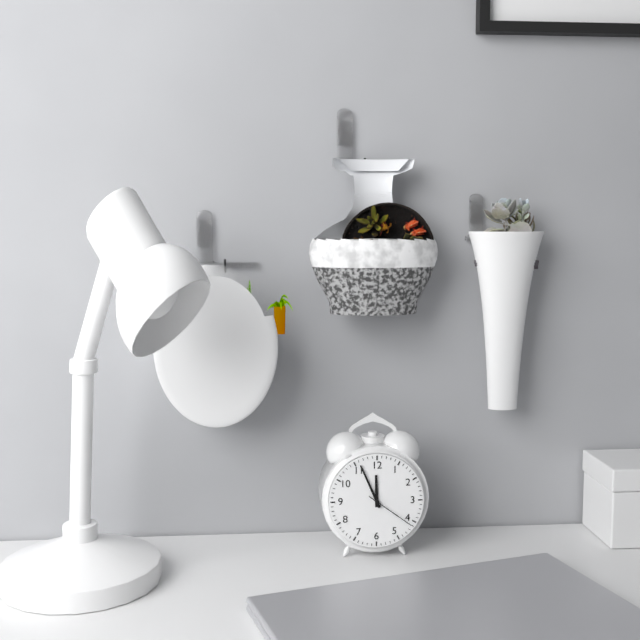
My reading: 11:56:21
